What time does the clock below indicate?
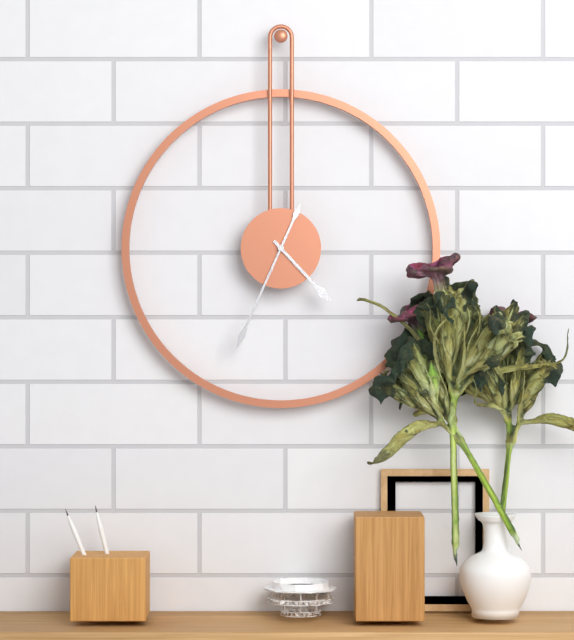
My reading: 4:34
